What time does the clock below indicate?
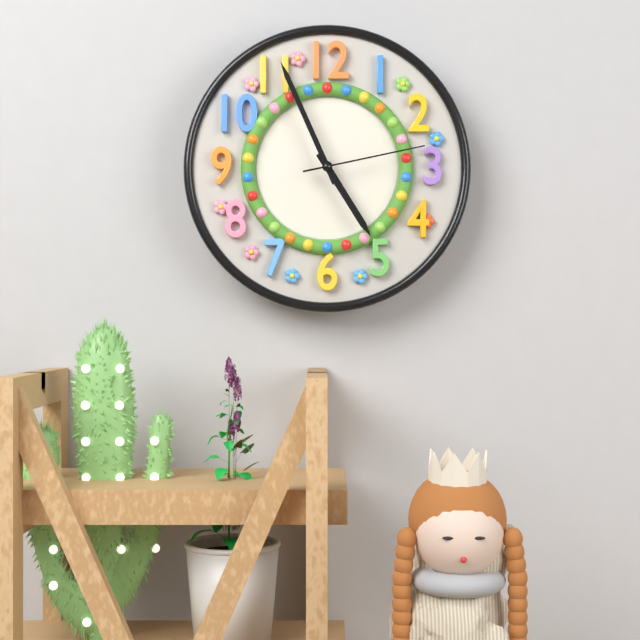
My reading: 4:56:13
